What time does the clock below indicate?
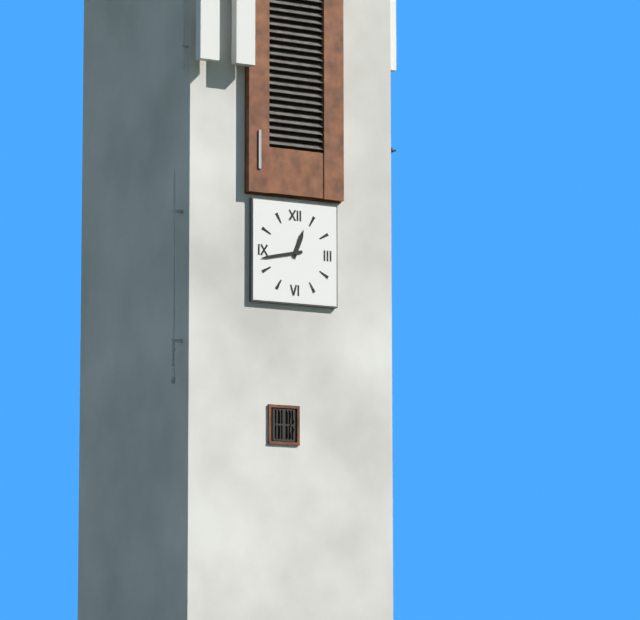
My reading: 12:43
